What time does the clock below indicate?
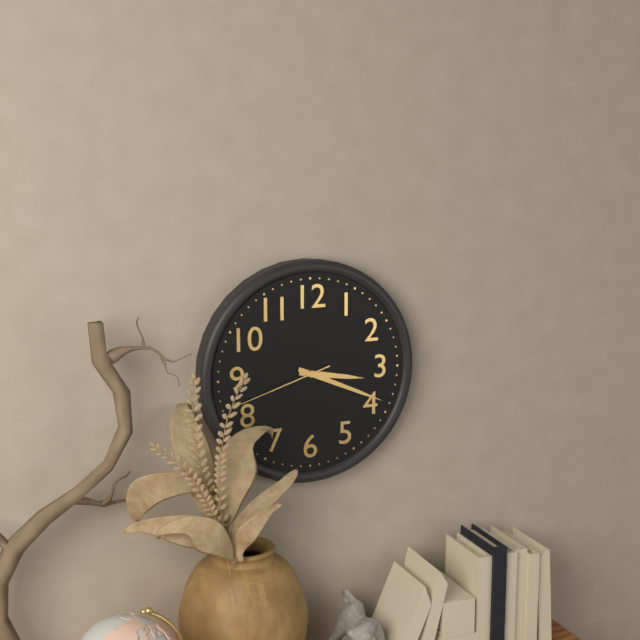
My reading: 3:19:42
